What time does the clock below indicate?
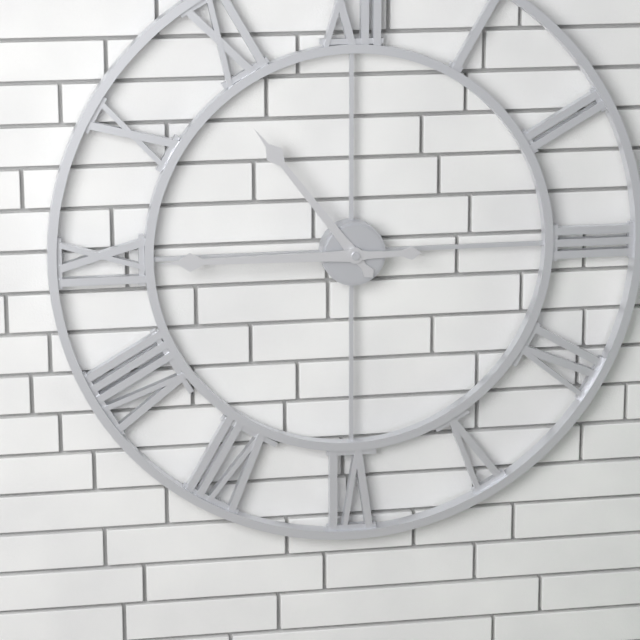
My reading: 10:45
